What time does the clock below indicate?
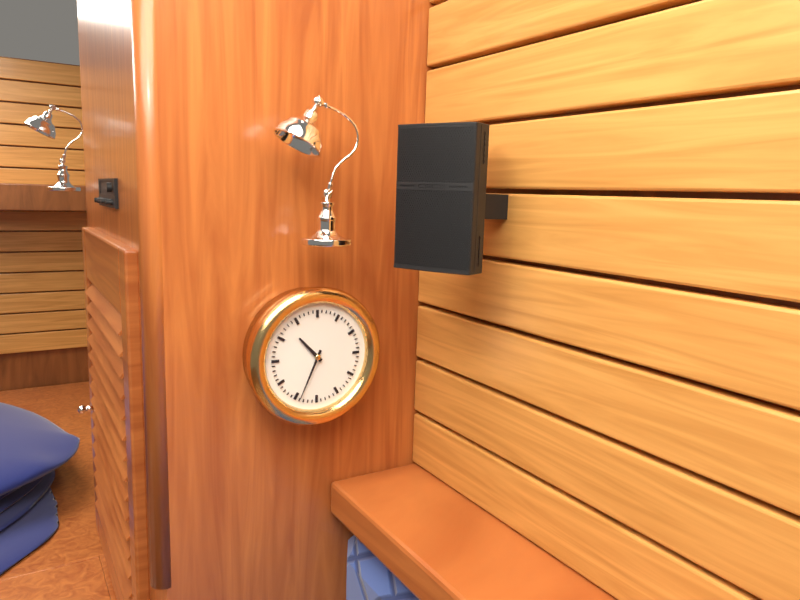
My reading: 10:34
